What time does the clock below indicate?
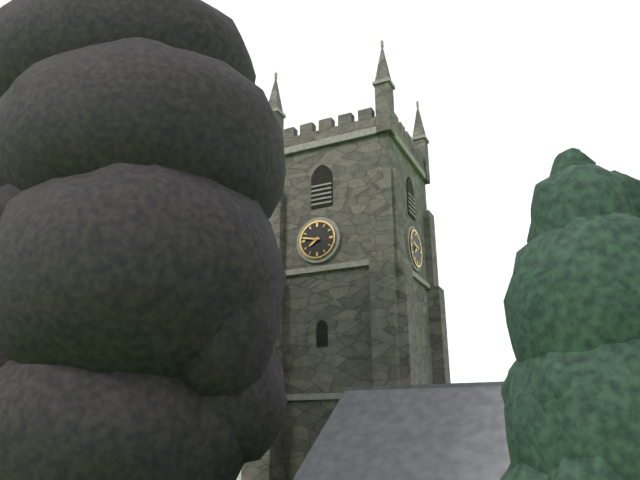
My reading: 7:47
